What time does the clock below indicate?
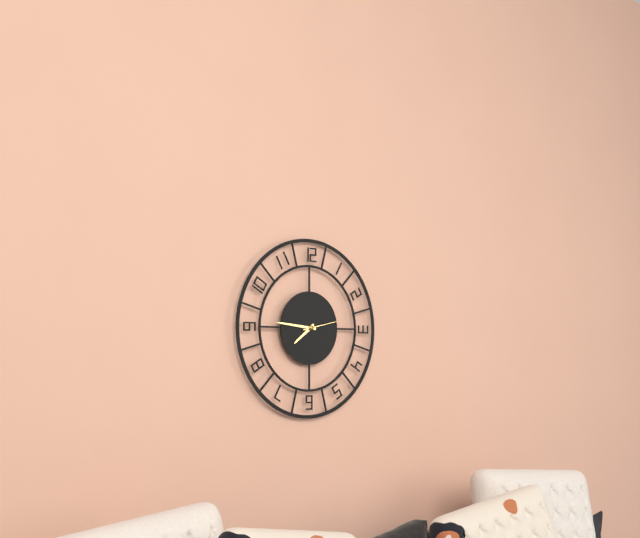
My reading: 7:46
